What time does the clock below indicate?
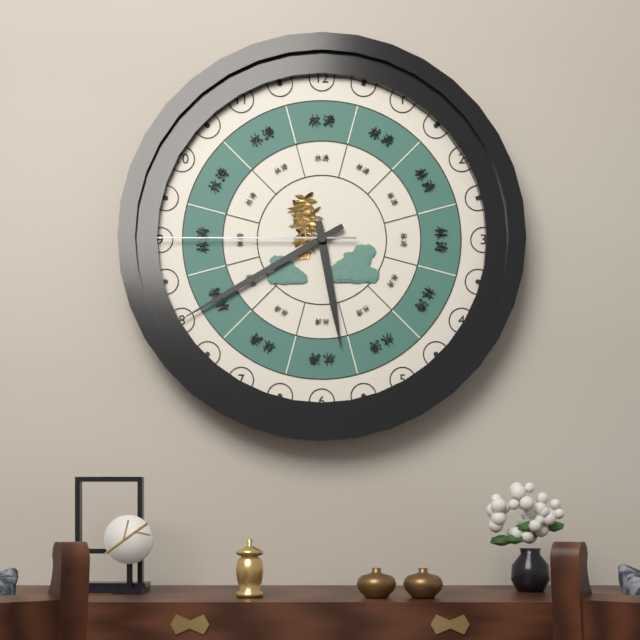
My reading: 5:40:45
